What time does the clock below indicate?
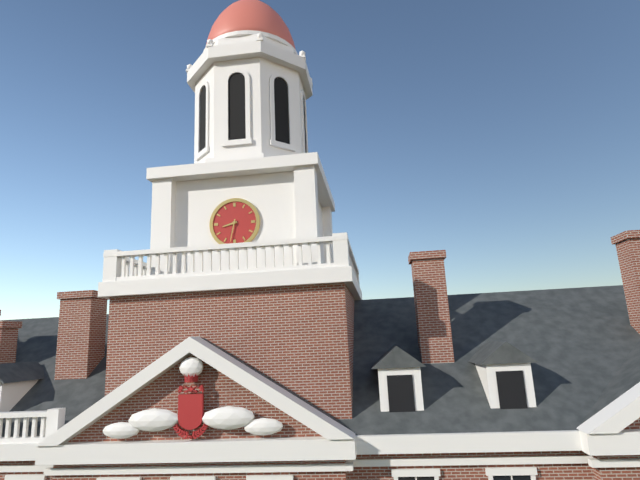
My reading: 8:32
